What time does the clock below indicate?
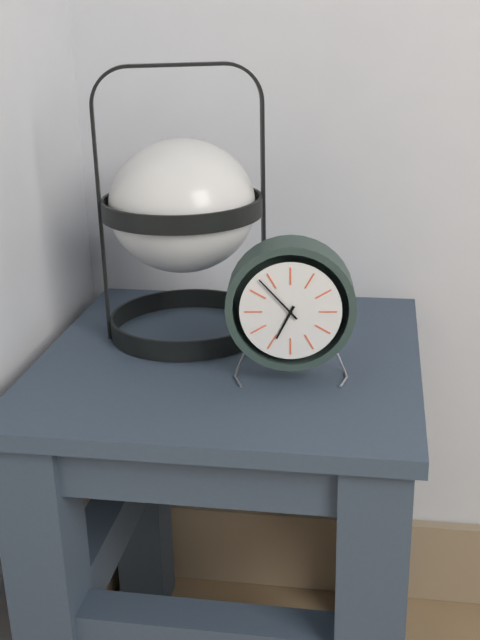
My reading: 6:53
